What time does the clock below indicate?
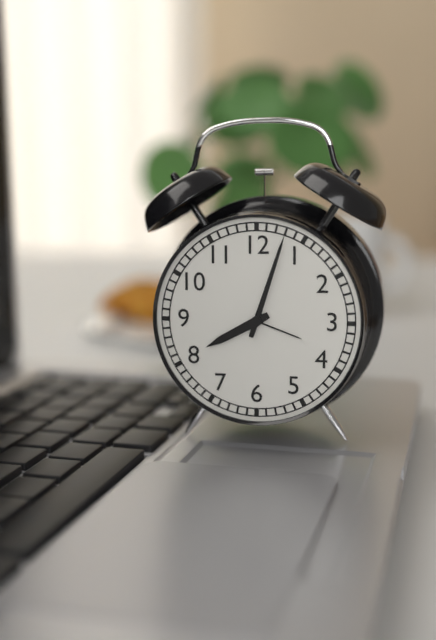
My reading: 8:03
